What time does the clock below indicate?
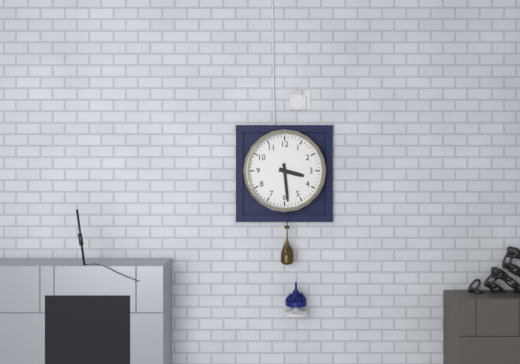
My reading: 3:29
